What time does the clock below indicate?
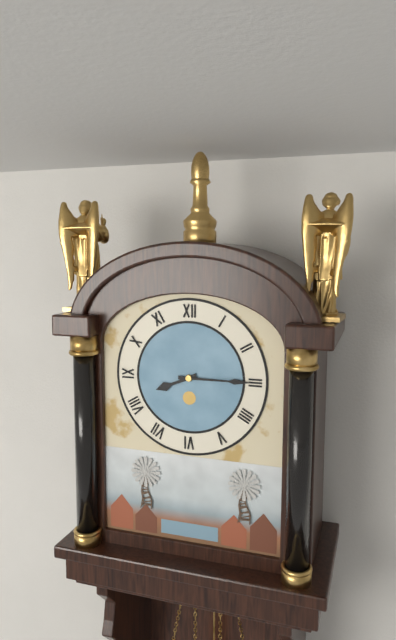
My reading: 8:15
